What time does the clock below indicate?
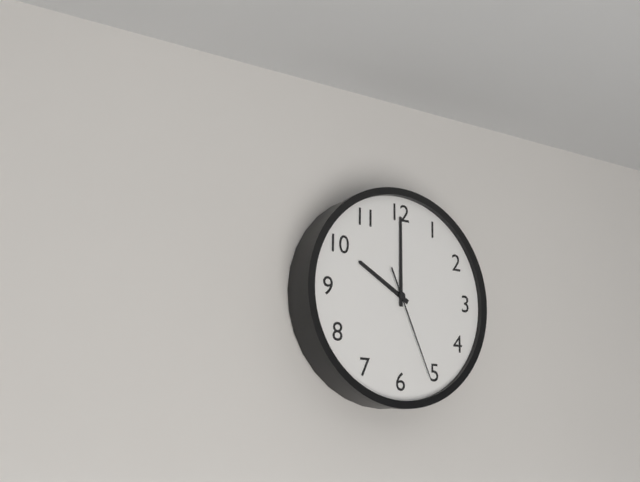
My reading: 10:00:26
